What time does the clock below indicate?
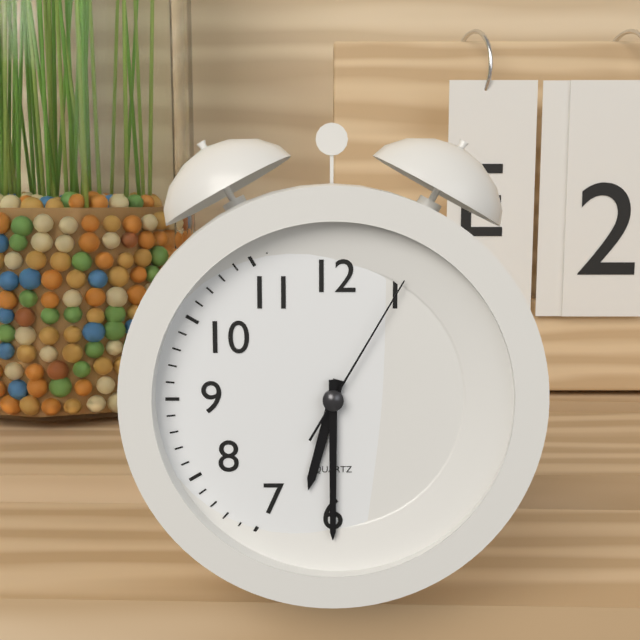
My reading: 6:30:05
